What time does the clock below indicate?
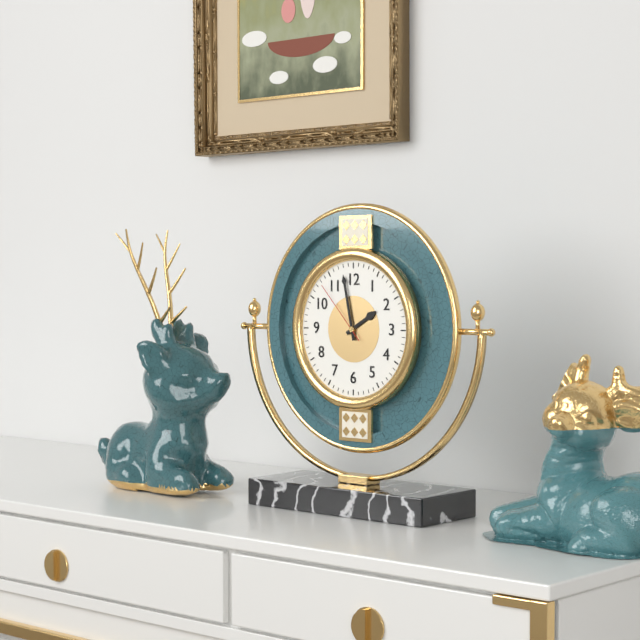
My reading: 1:58:53
